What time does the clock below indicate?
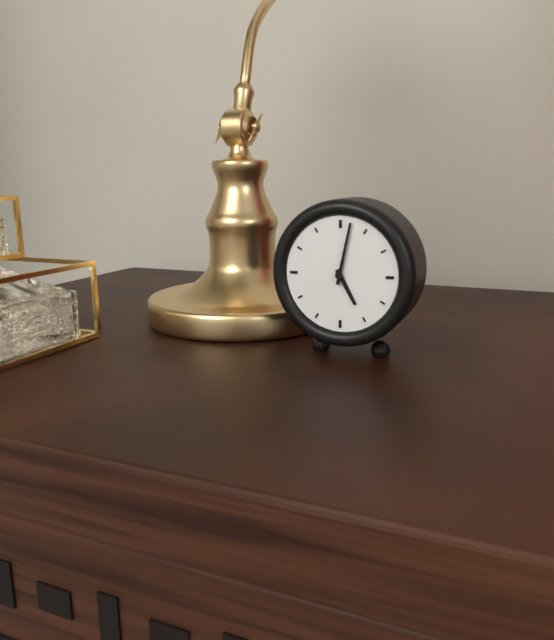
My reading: 5:02
